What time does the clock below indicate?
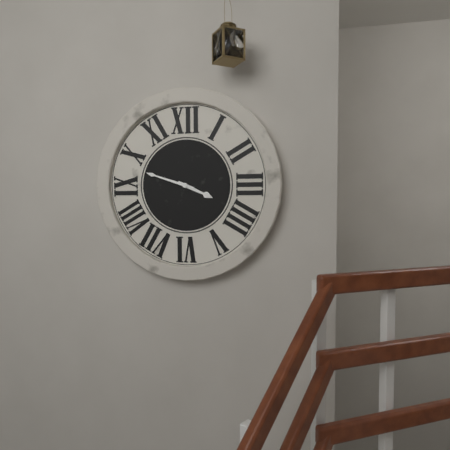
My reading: 3:48
